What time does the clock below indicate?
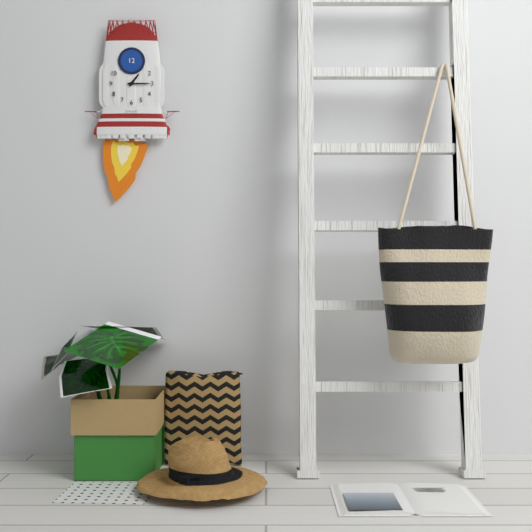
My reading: 1:15
